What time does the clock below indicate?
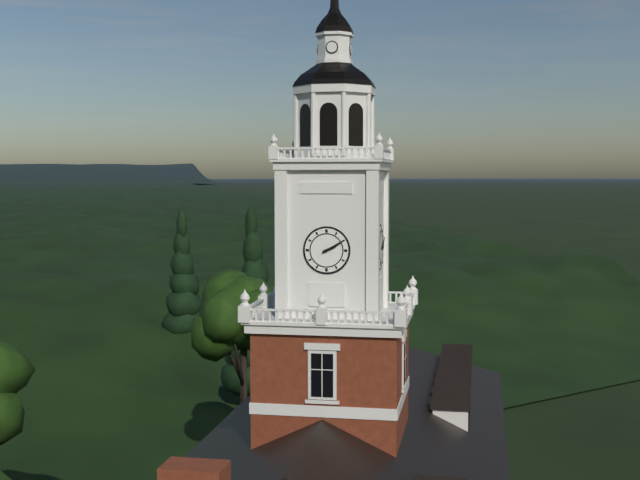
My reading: 2:10
